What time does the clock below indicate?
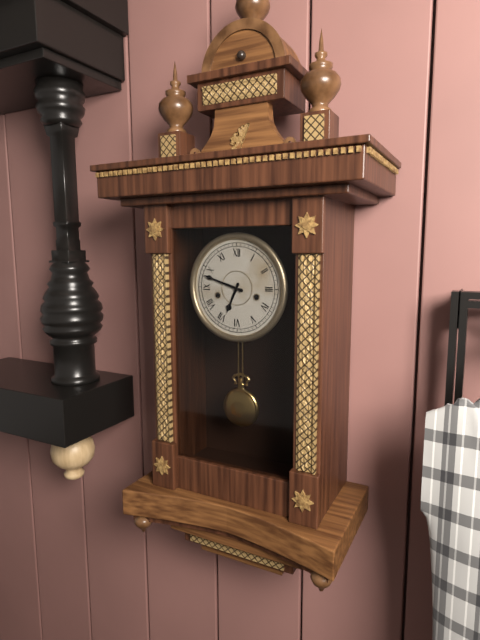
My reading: 6:48
